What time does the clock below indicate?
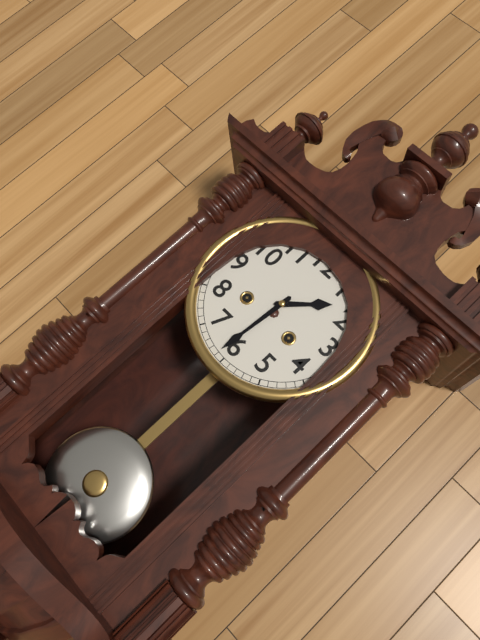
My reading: 1:31
